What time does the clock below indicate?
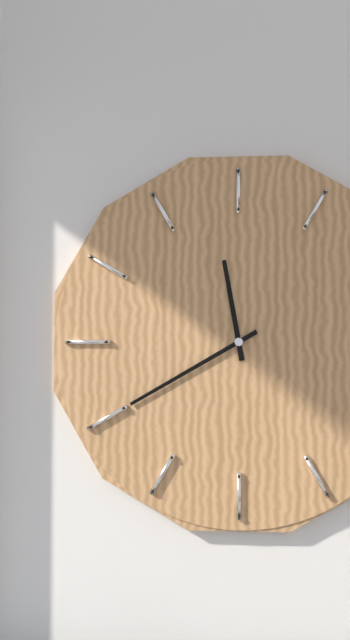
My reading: 11:40
